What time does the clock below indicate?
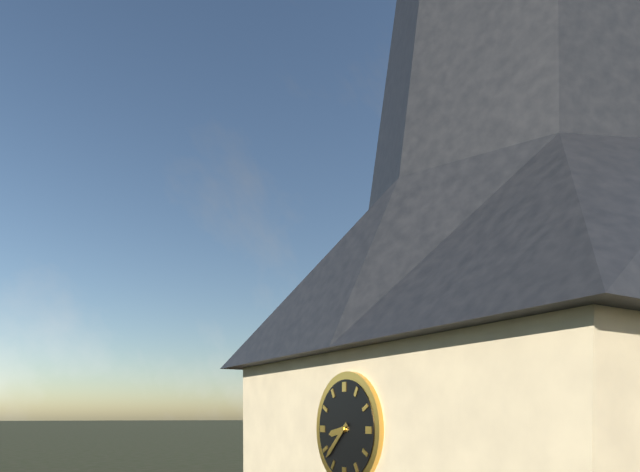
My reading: 8:38
